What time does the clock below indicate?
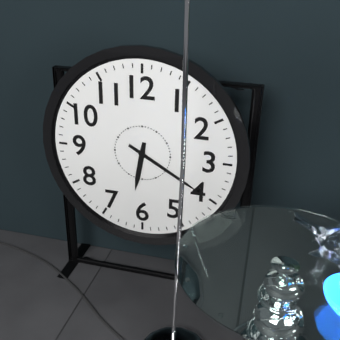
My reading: 6:20
